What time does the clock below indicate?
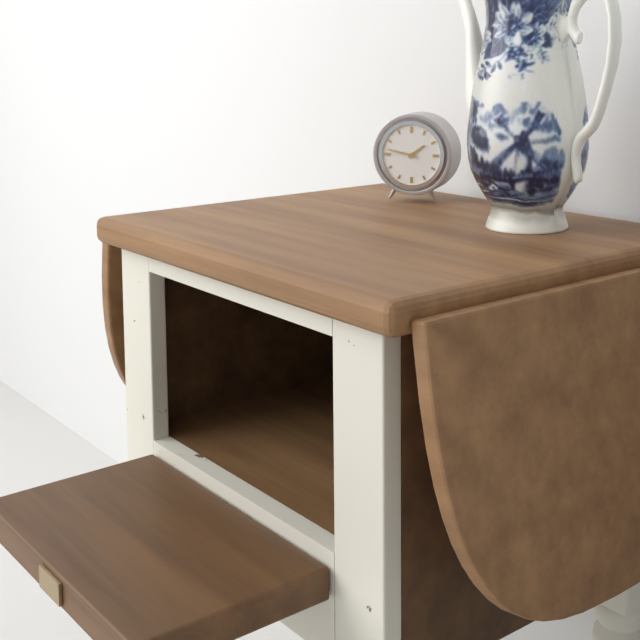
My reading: 1:47
